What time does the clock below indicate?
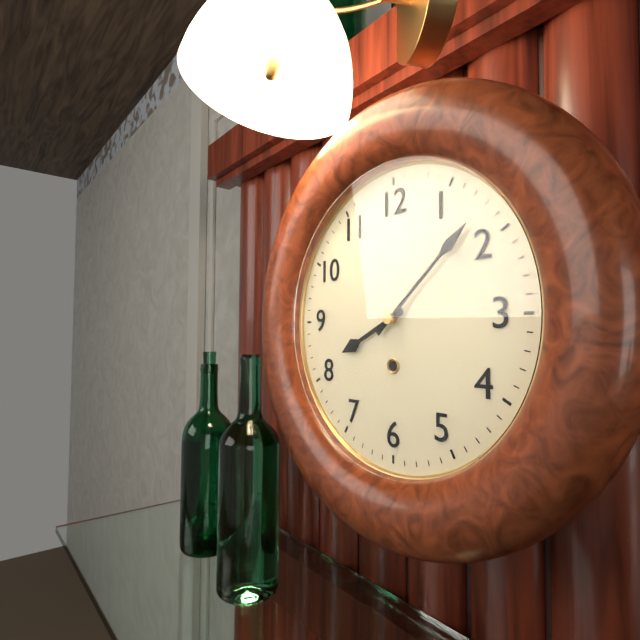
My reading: 8:08
